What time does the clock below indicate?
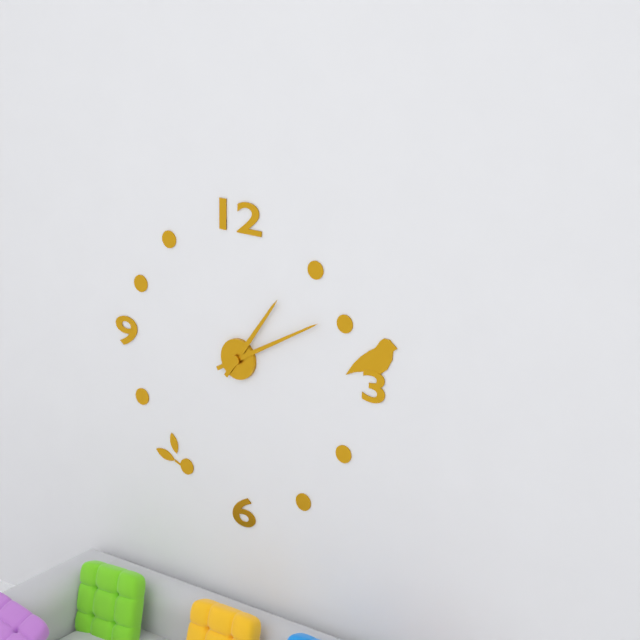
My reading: 1:10
